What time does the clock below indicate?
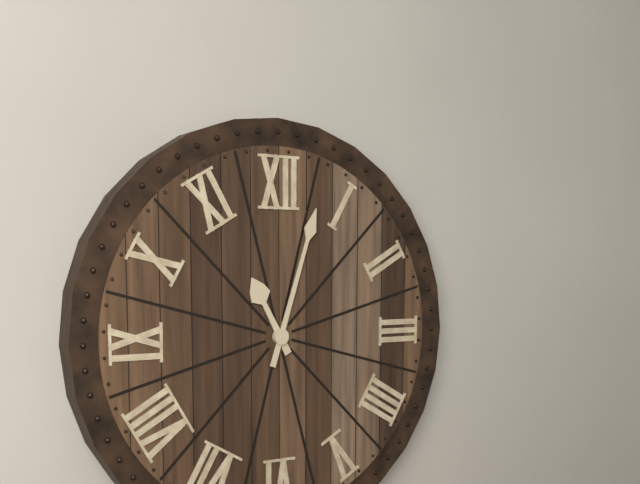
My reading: 11:03
